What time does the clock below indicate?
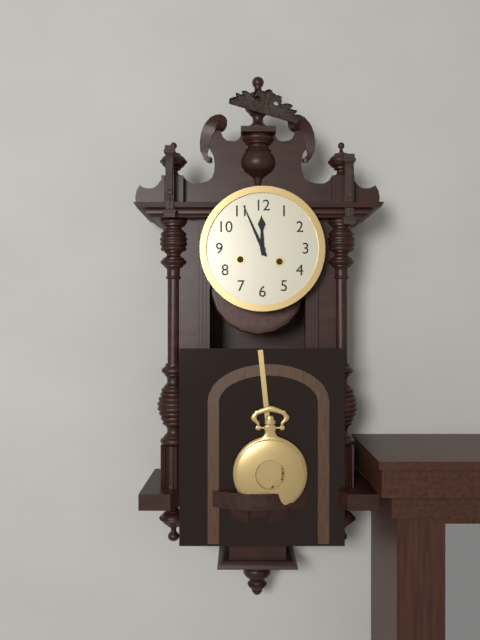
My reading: 11:56
